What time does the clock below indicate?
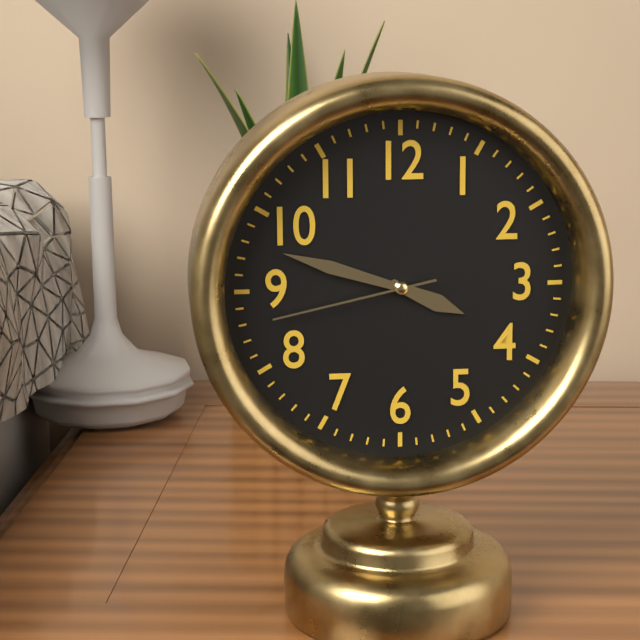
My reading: 3:48:43
